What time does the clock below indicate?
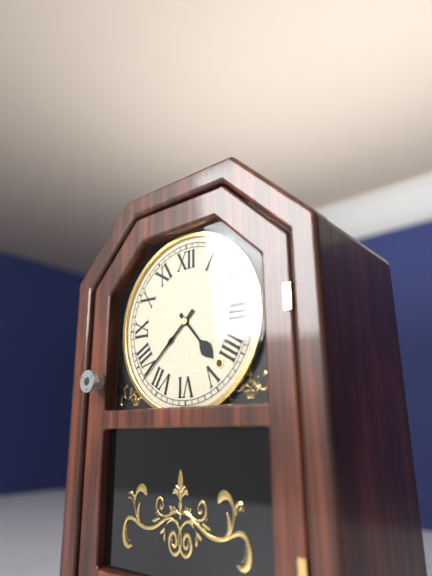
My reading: 4:38
